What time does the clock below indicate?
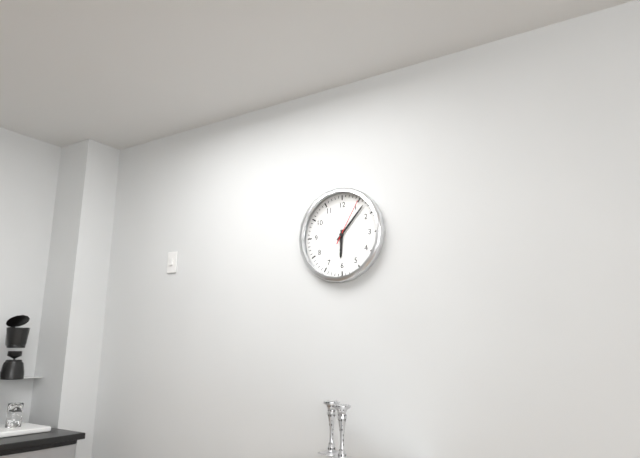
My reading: 6:07
